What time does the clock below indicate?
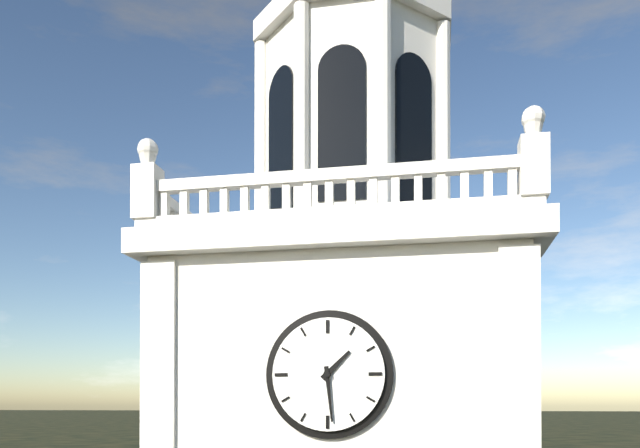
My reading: 1:29
